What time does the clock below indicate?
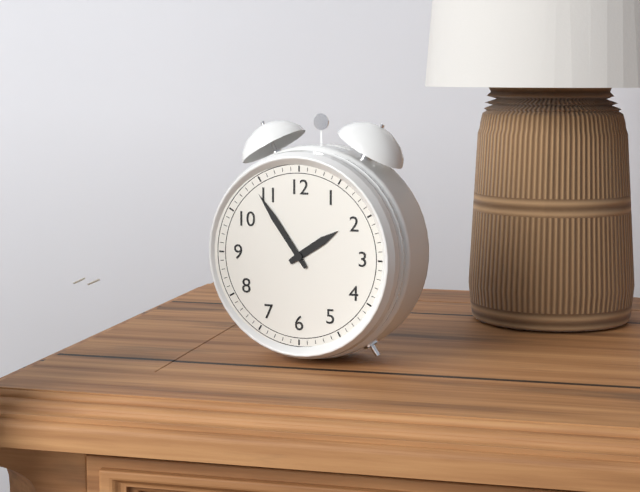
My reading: 1:54
